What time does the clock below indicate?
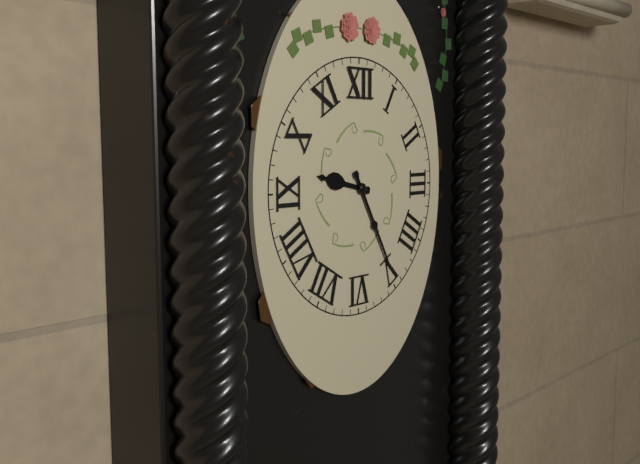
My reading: 9:25
